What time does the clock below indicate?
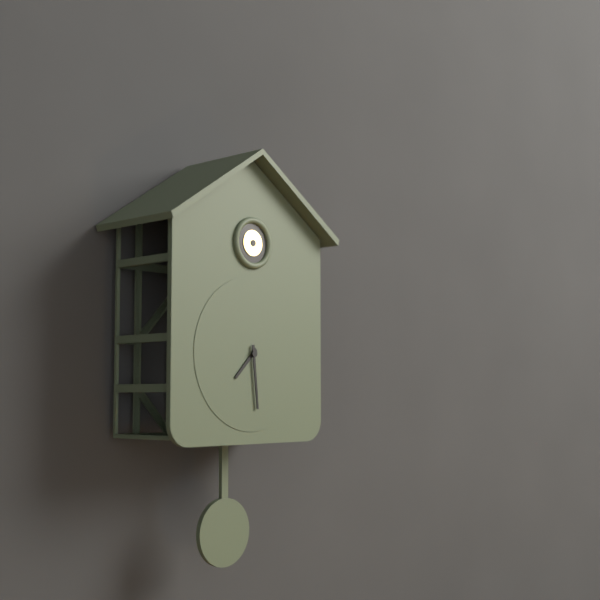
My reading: 7:29
